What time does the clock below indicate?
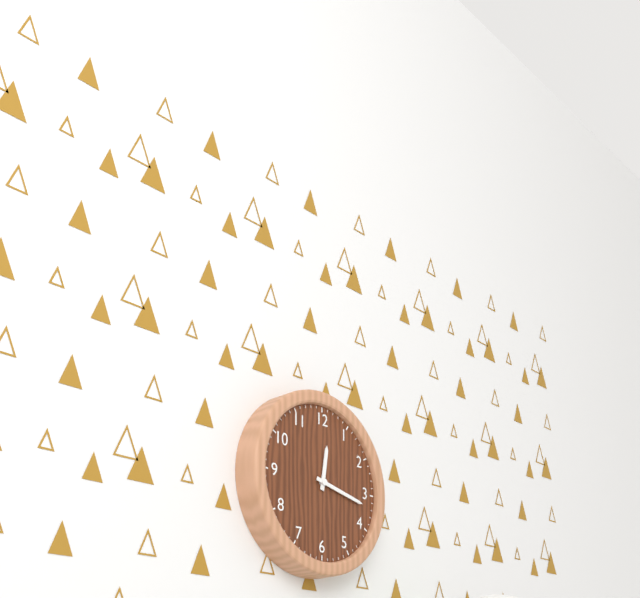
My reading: 12:17
